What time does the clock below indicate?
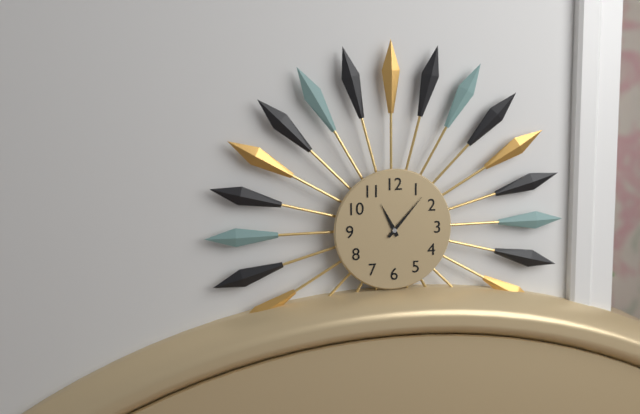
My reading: 11:07
